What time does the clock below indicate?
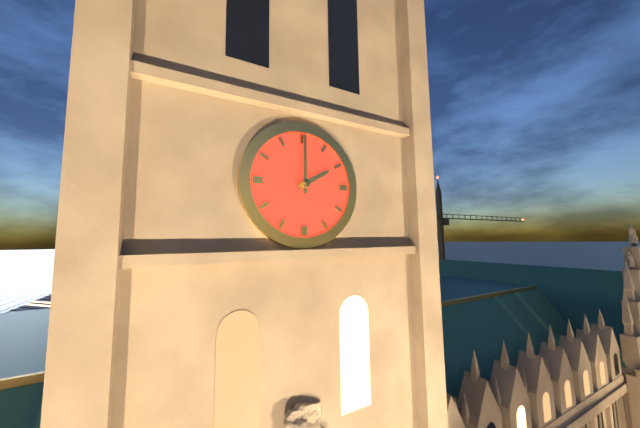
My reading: 2:00
